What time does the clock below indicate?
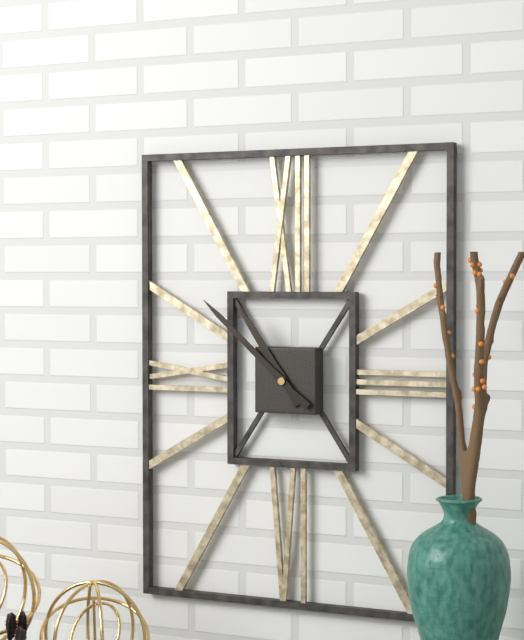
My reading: 10:52
